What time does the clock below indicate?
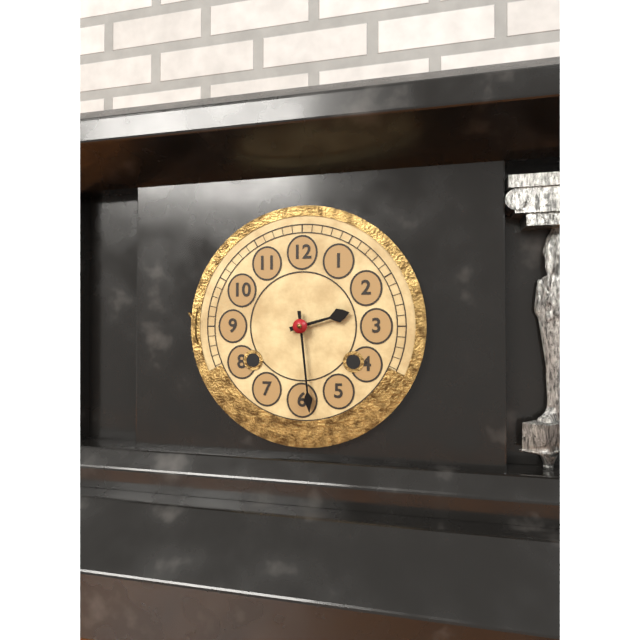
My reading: 2:29
